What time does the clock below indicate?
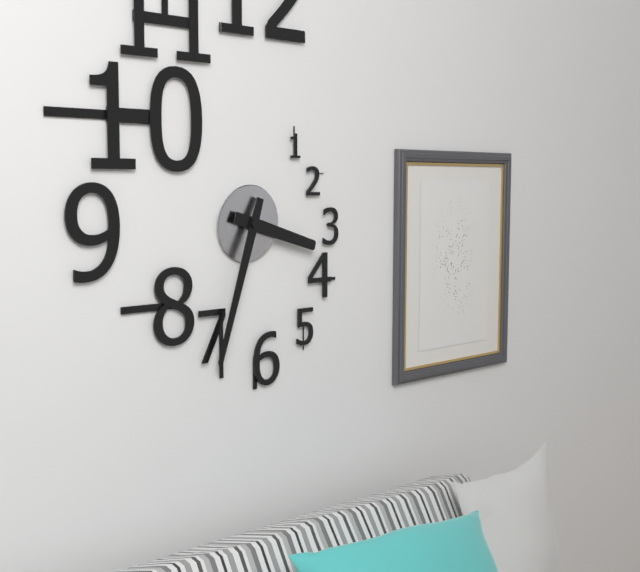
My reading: 3:33
